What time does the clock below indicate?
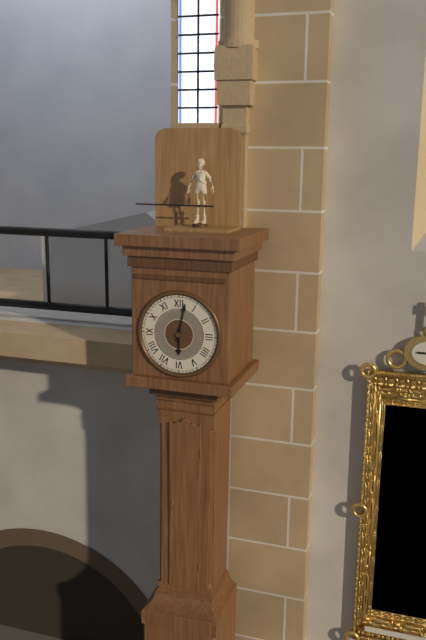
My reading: 6:02
